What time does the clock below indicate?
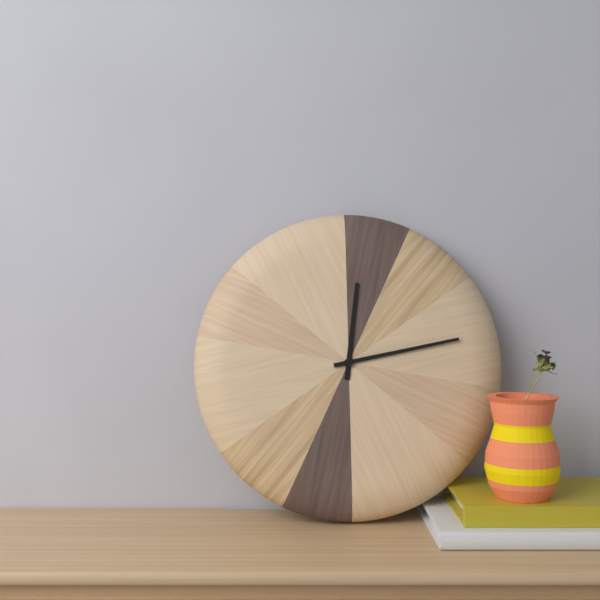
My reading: 12:13
